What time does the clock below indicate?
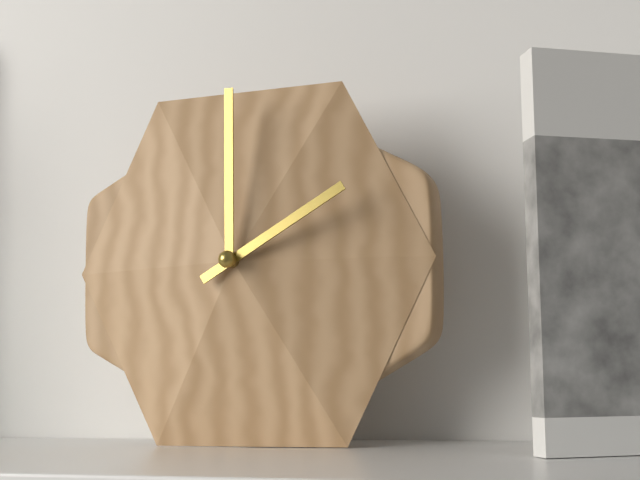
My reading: 2:00
